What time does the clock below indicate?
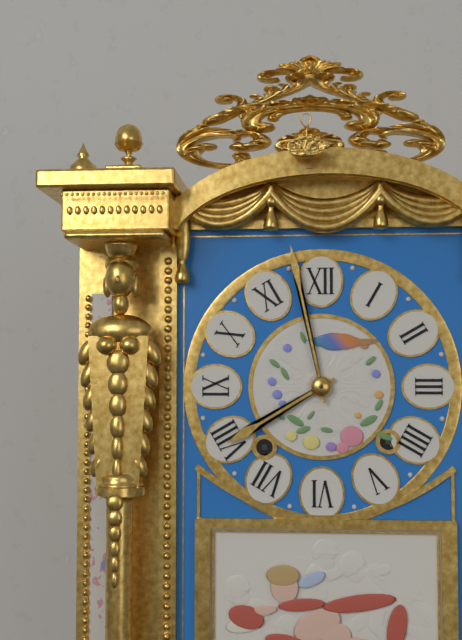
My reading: 7:58
